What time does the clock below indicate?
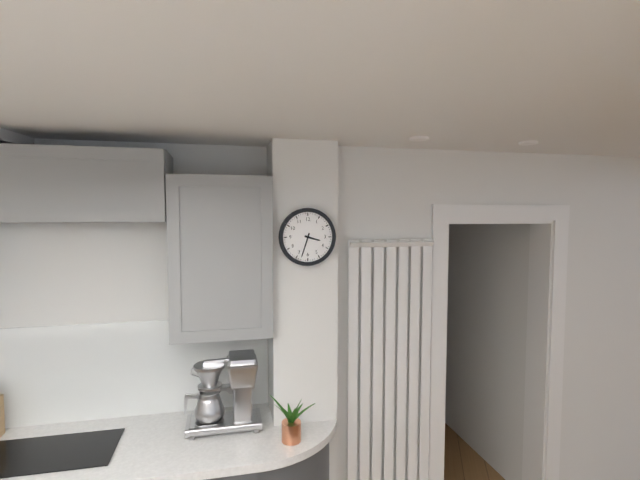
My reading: 3:33
